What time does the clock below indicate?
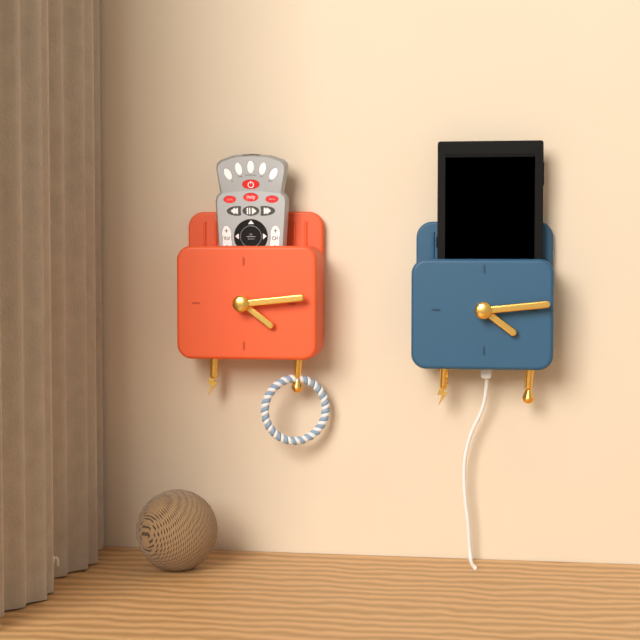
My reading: 4:14
